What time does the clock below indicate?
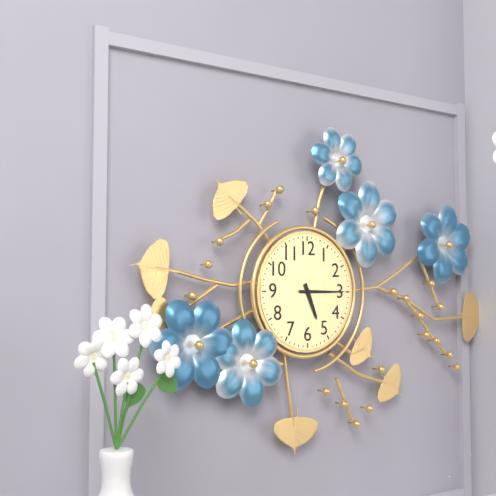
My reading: 5:15
